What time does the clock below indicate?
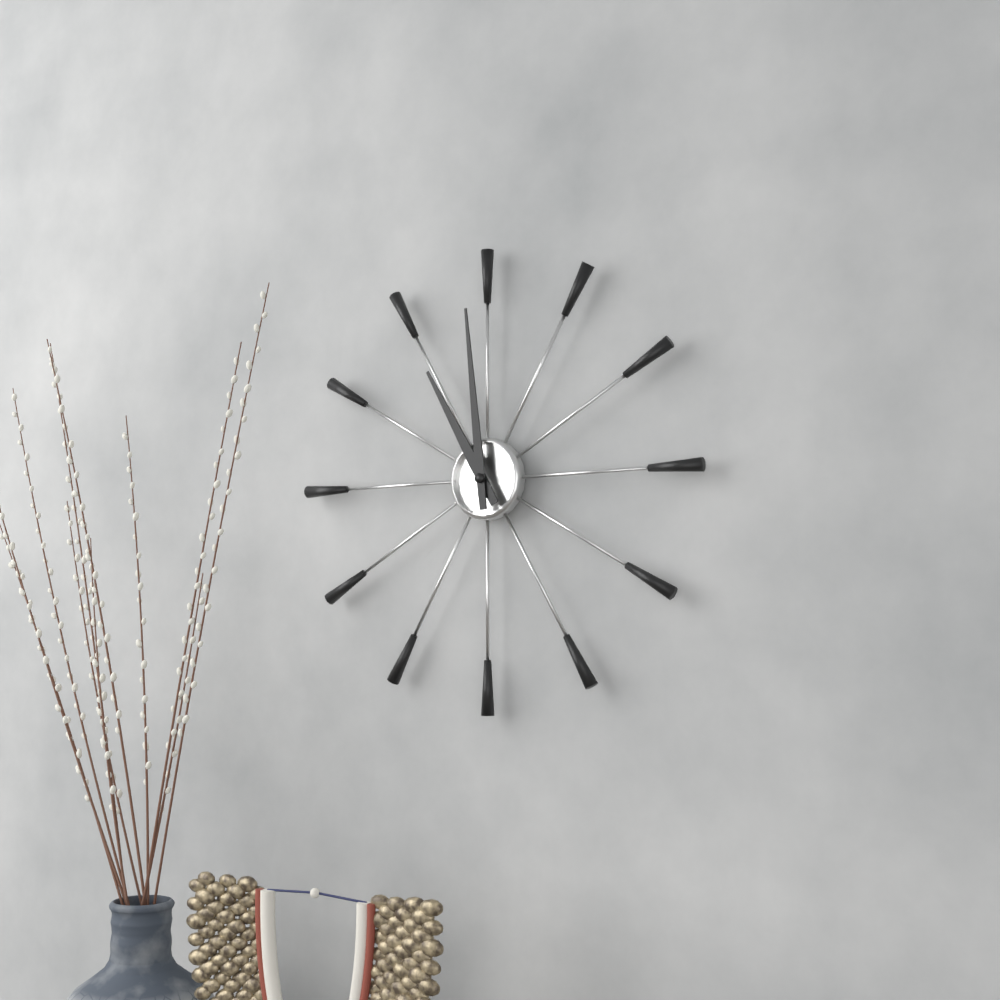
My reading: 10:59
